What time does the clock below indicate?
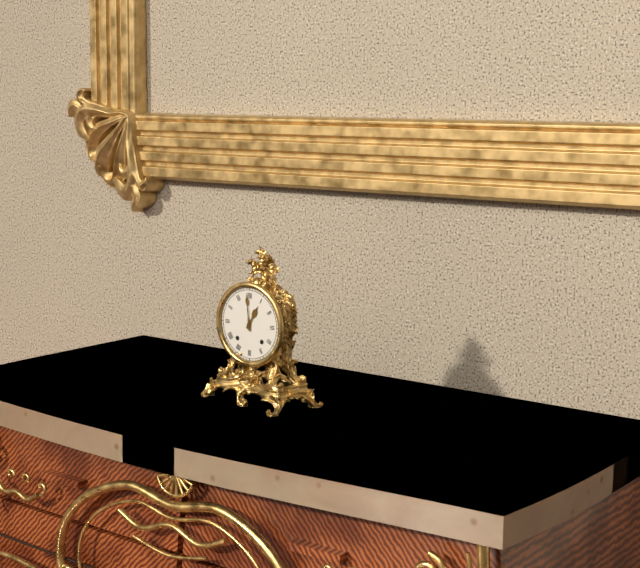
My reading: 12:59
